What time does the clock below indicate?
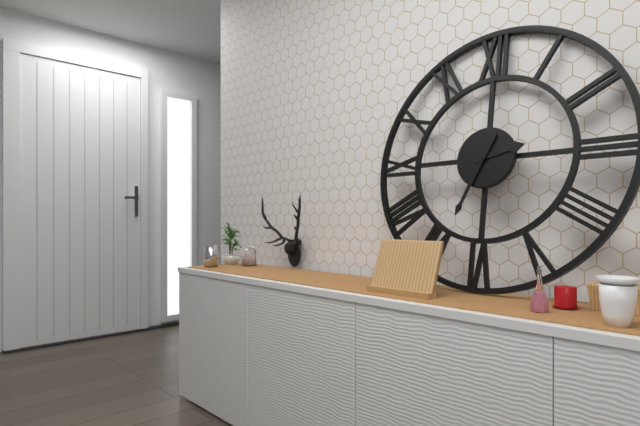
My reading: 2:34
